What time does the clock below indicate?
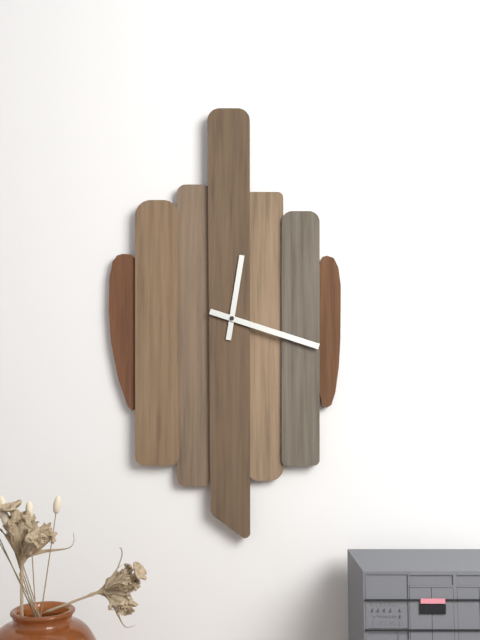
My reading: 12:18
